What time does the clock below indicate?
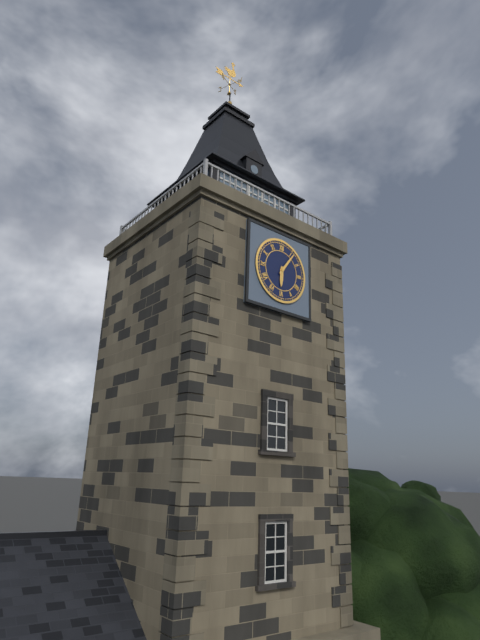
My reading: 6:06
